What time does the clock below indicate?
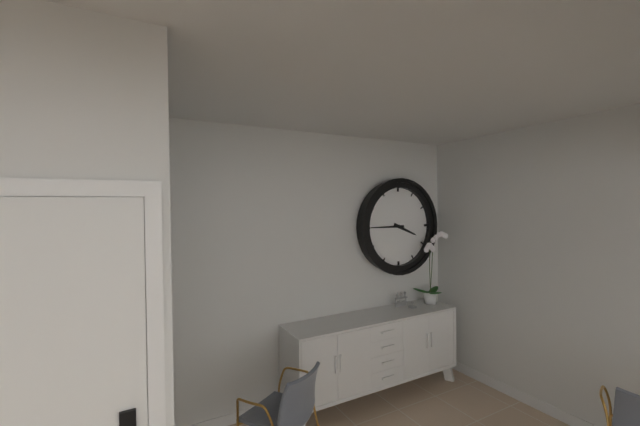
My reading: 3:45
